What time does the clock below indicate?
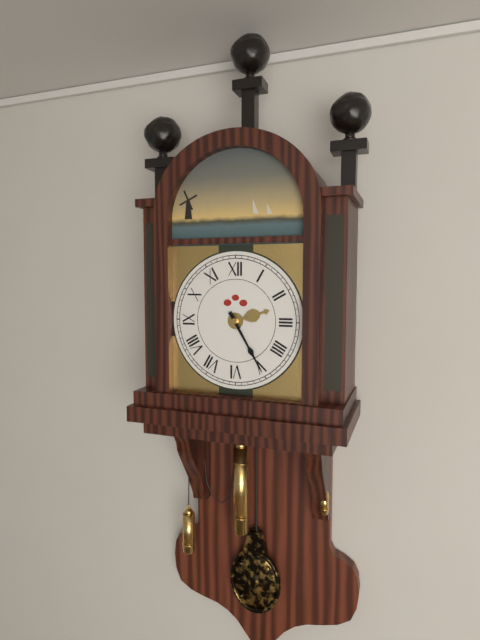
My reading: 2:25
